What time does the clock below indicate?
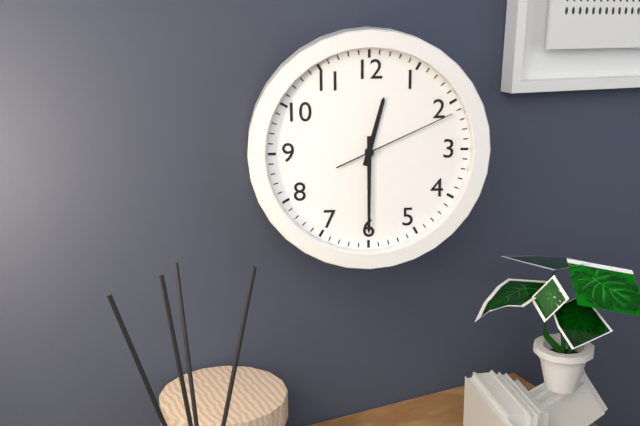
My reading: 12:30:11
